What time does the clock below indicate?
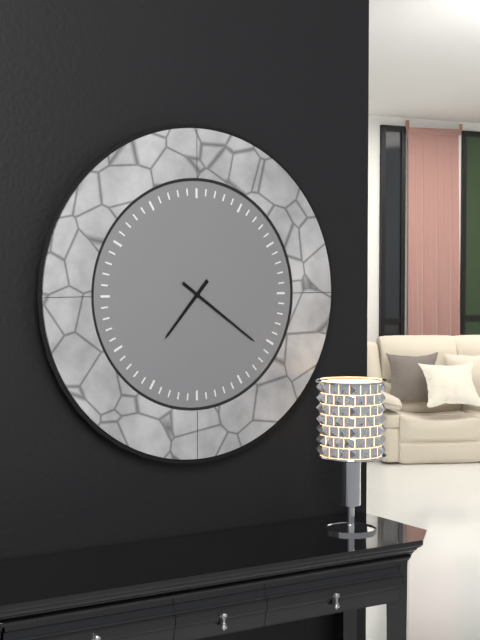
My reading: 7:21
